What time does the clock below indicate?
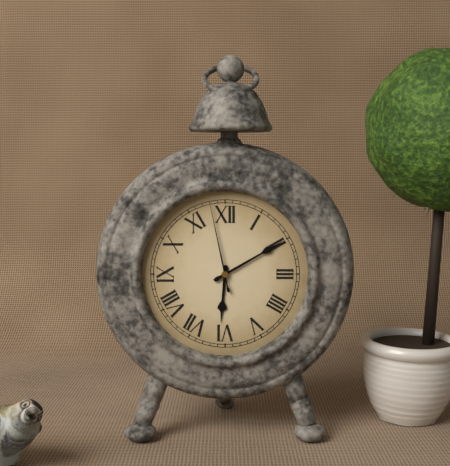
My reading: 6:10:58
